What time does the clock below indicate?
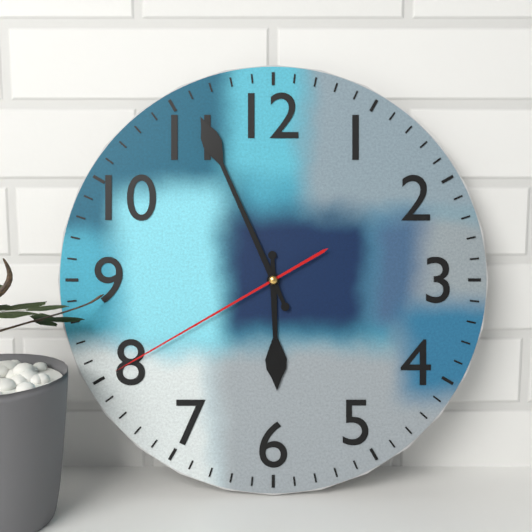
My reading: 5:56:40
